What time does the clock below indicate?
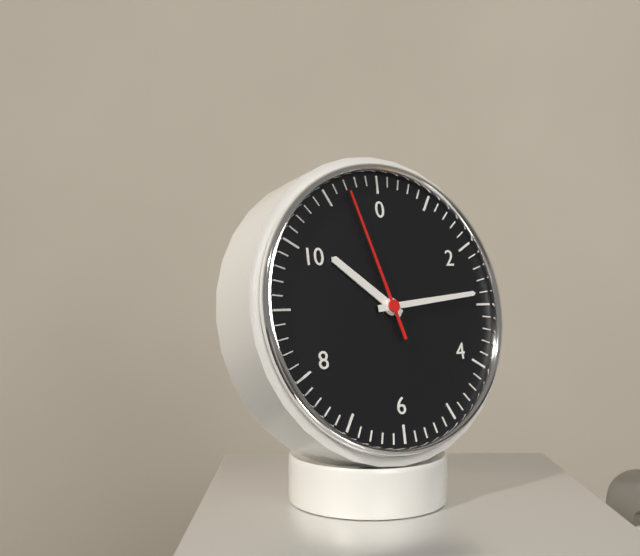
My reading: 10:14:57
